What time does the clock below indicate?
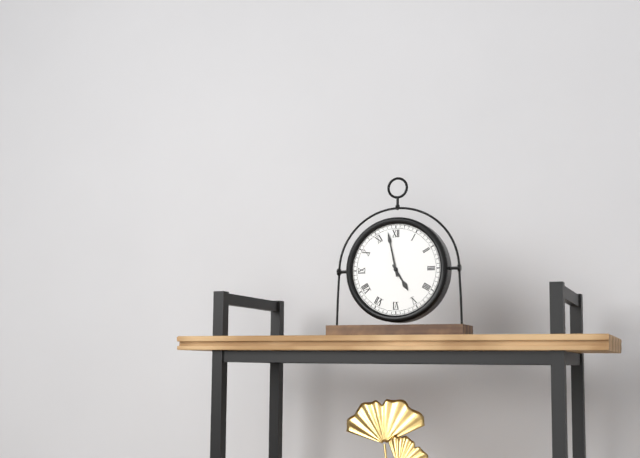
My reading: 4:58
